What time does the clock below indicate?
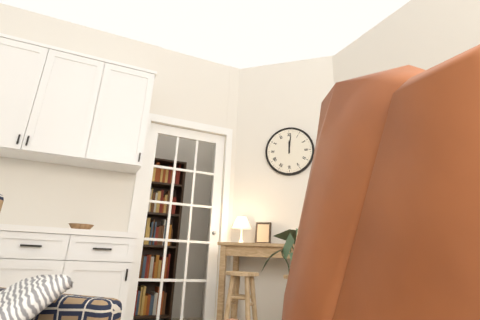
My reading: 12:01
